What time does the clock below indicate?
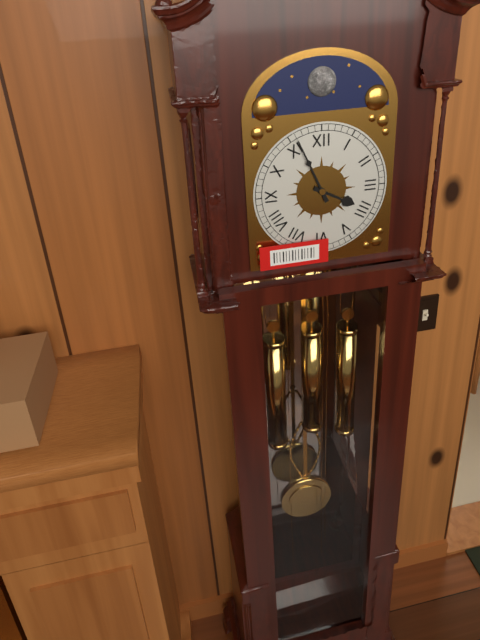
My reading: 3:56
